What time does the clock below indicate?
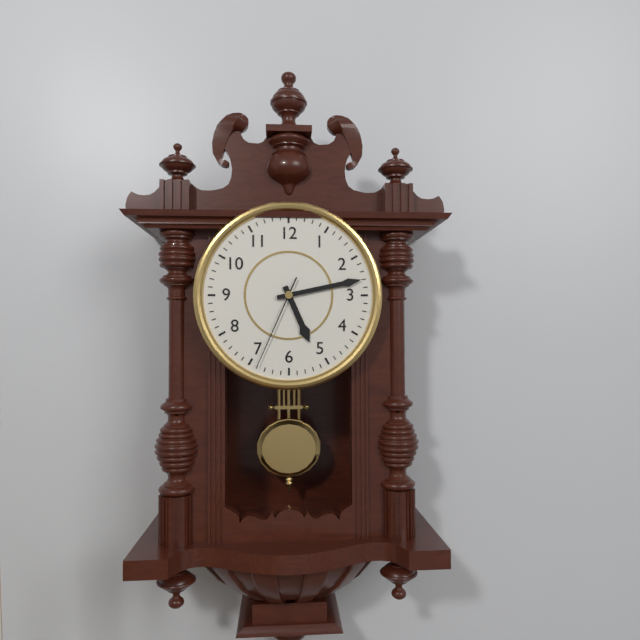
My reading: 5:13:34
